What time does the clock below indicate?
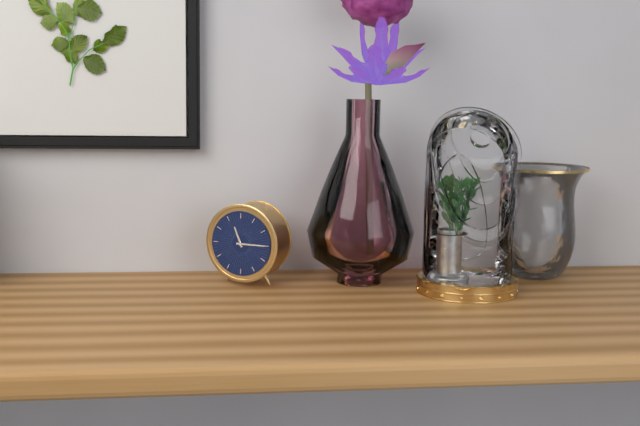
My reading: 11:15
